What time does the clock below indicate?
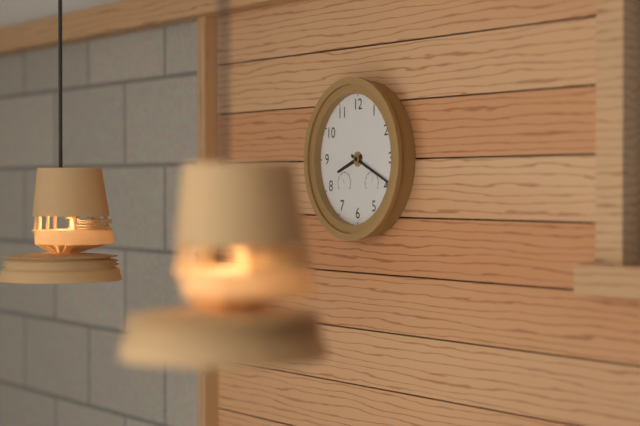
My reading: 8:19
